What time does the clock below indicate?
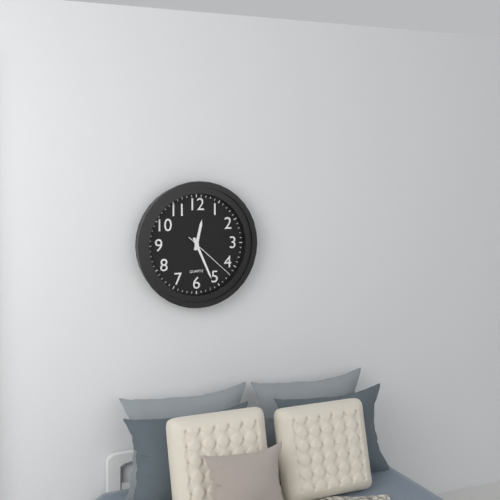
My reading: 12:26:22
